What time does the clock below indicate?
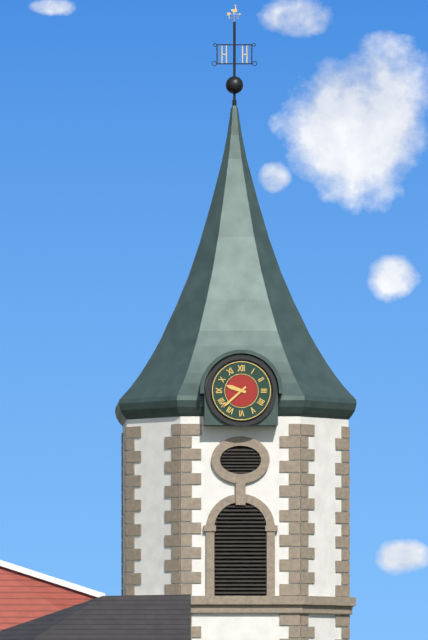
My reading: 9:38
